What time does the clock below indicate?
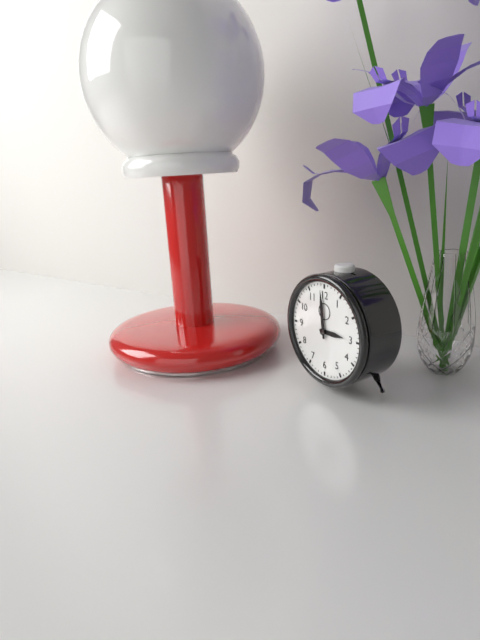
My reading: 2:59
